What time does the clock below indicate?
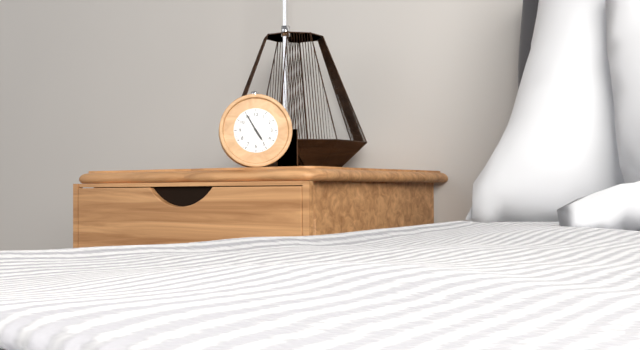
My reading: 4:55
